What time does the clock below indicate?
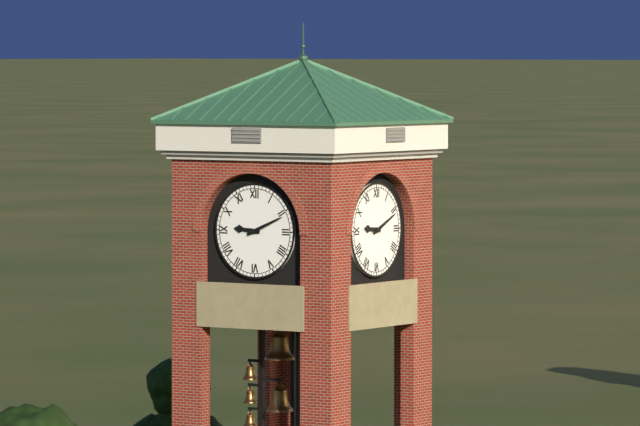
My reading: 9:11
